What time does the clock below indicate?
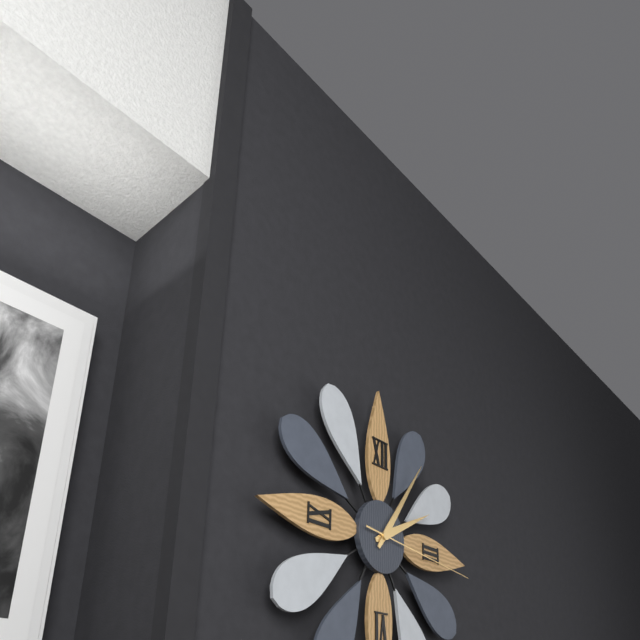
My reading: 2:06:16
